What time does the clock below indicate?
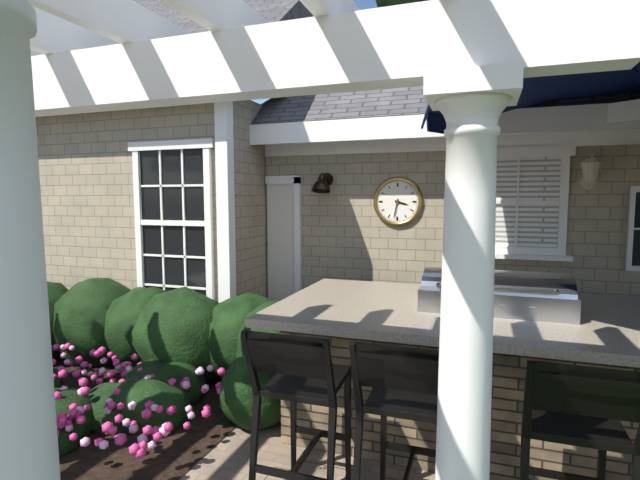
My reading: 3:32
